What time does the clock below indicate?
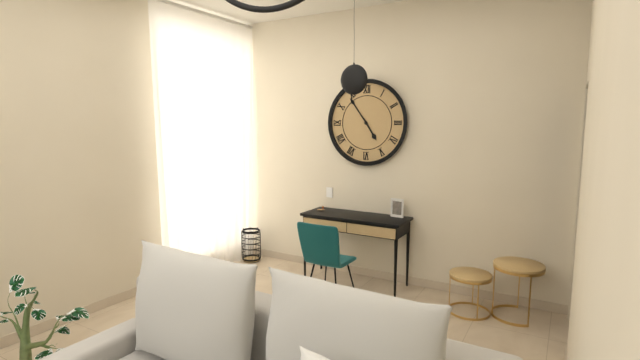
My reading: 4:54
